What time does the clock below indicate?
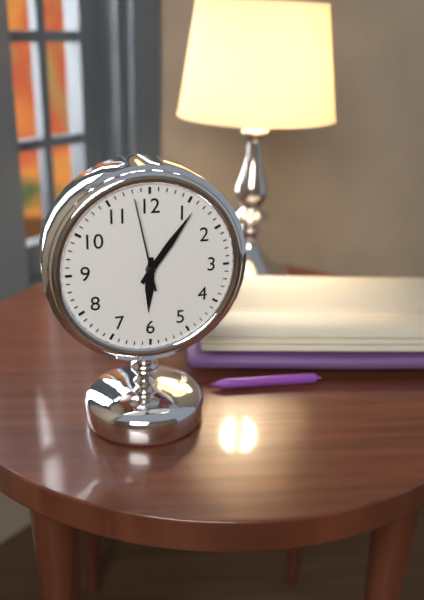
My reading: 6:06:58
